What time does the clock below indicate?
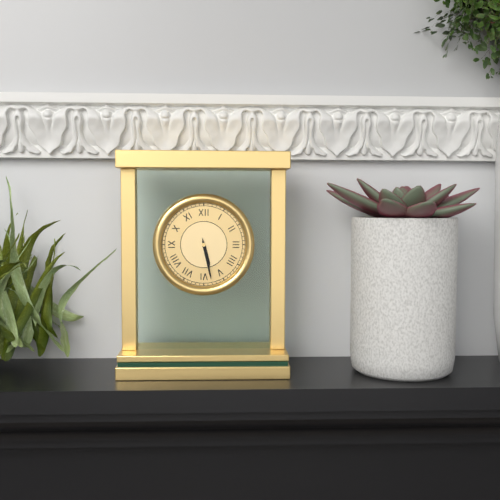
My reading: 5:28
